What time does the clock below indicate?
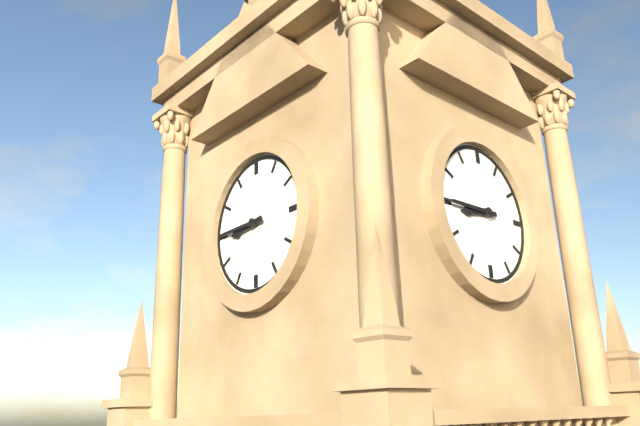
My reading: 8:45
